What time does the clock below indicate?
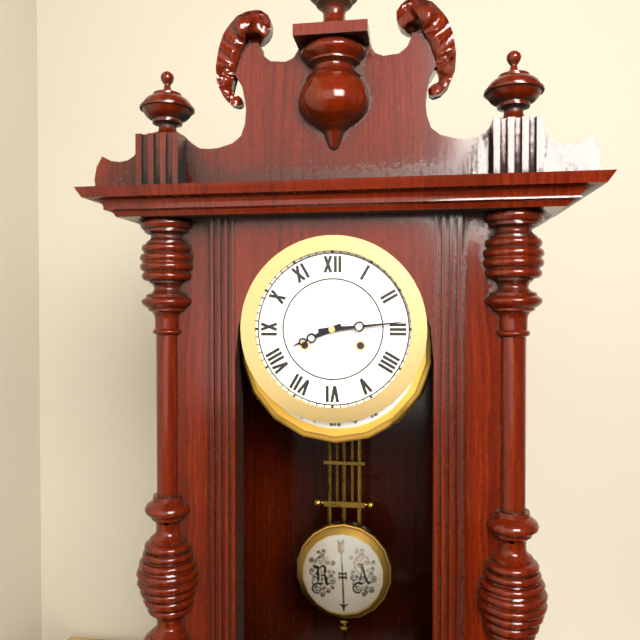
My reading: 8:14
